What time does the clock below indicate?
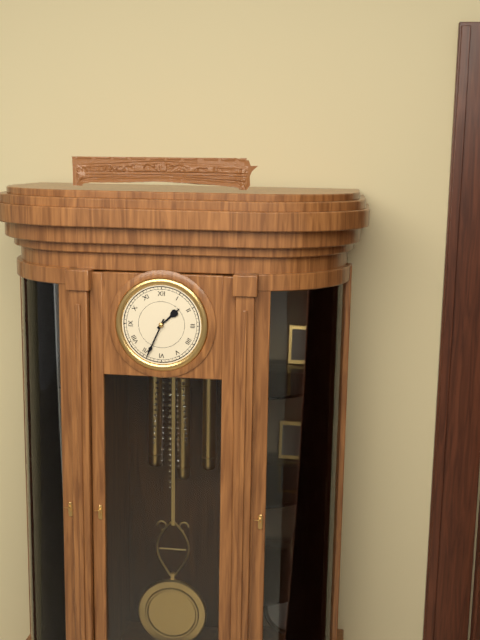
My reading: 1:34
